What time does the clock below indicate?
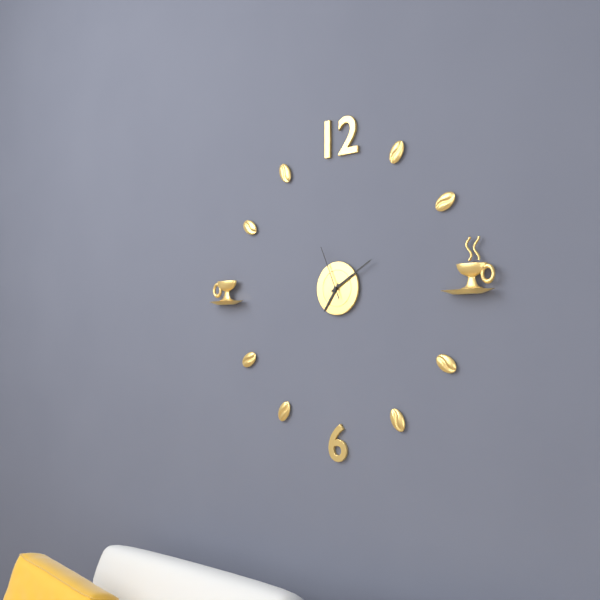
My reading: 7:10:56
